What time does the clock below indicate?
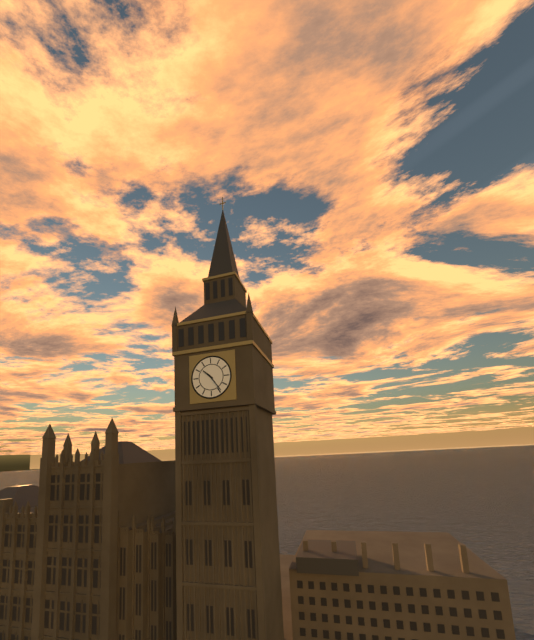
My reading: 10:24
